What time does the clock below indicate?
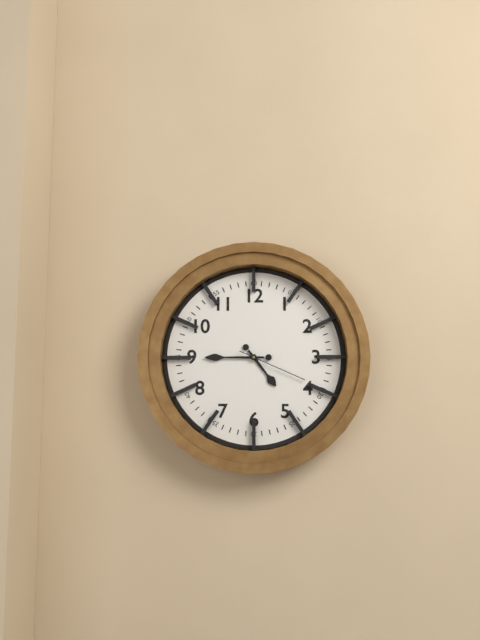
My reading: 4:45:19
